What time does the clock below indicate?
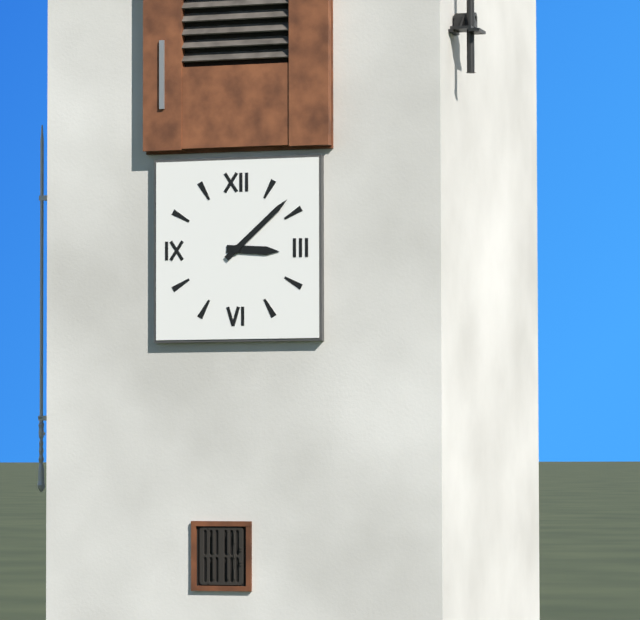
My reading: 3:08
